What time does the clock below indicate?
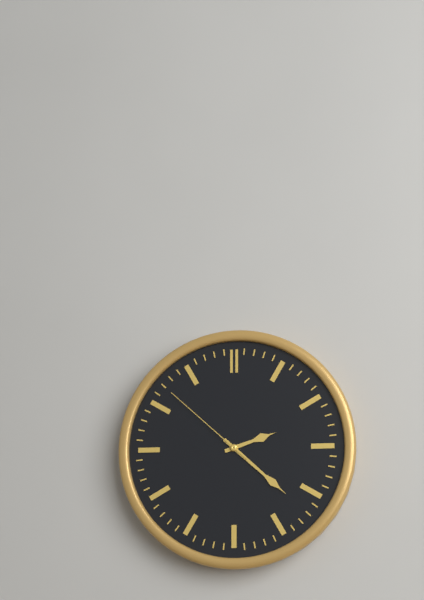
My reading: 2:22:52
